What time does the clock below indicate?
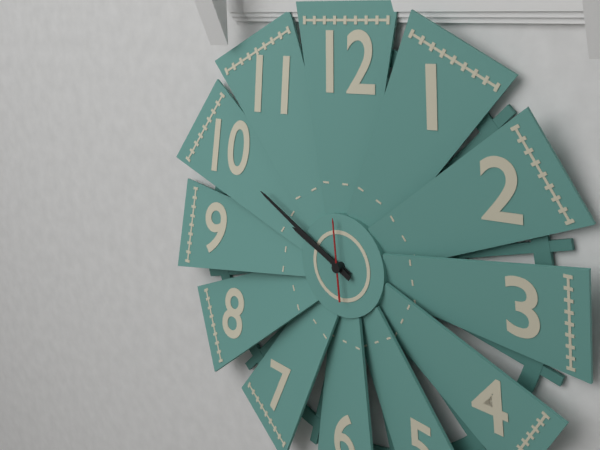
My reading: 9:50:59
